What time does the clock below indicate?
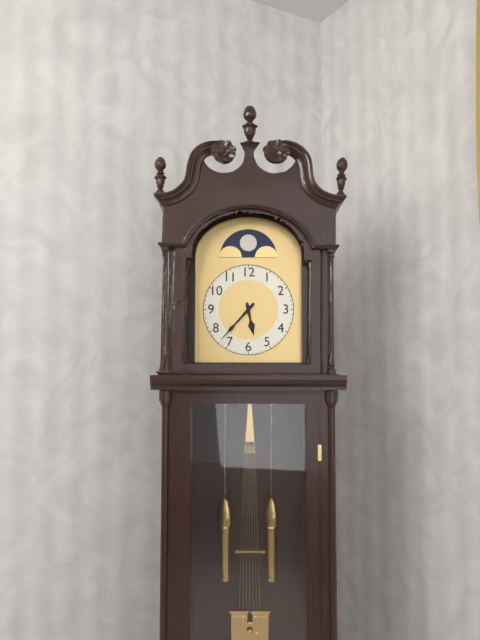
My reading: 5:37
